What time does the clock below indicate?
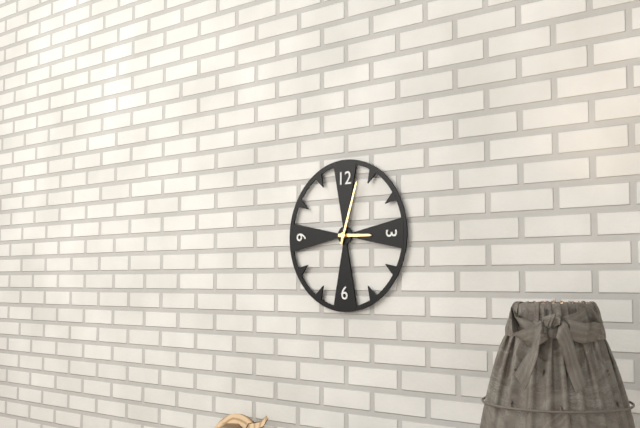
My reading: 3:03
